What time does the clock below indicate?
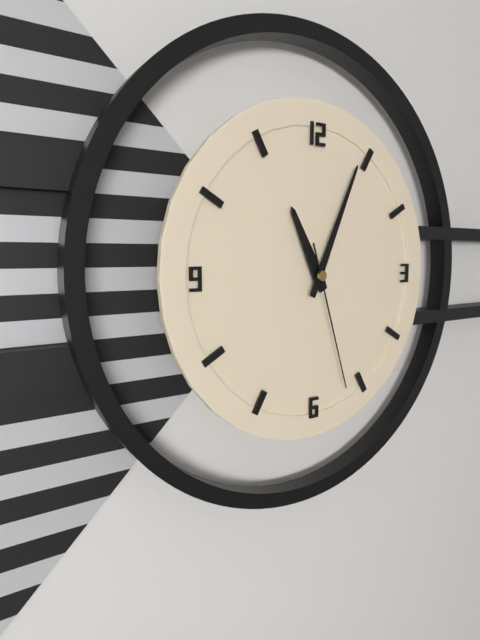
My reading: 11:04:27
